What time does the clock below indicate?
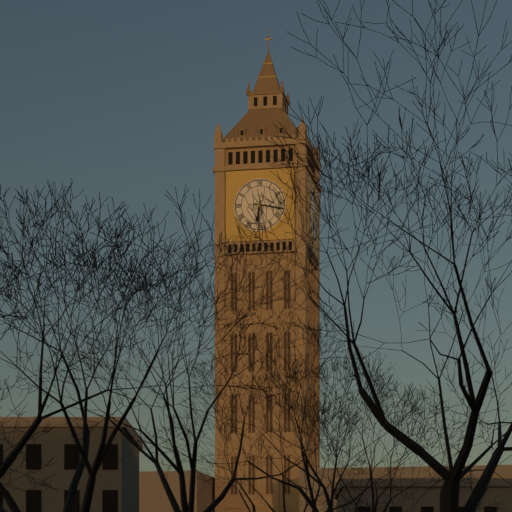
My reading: 6:17
